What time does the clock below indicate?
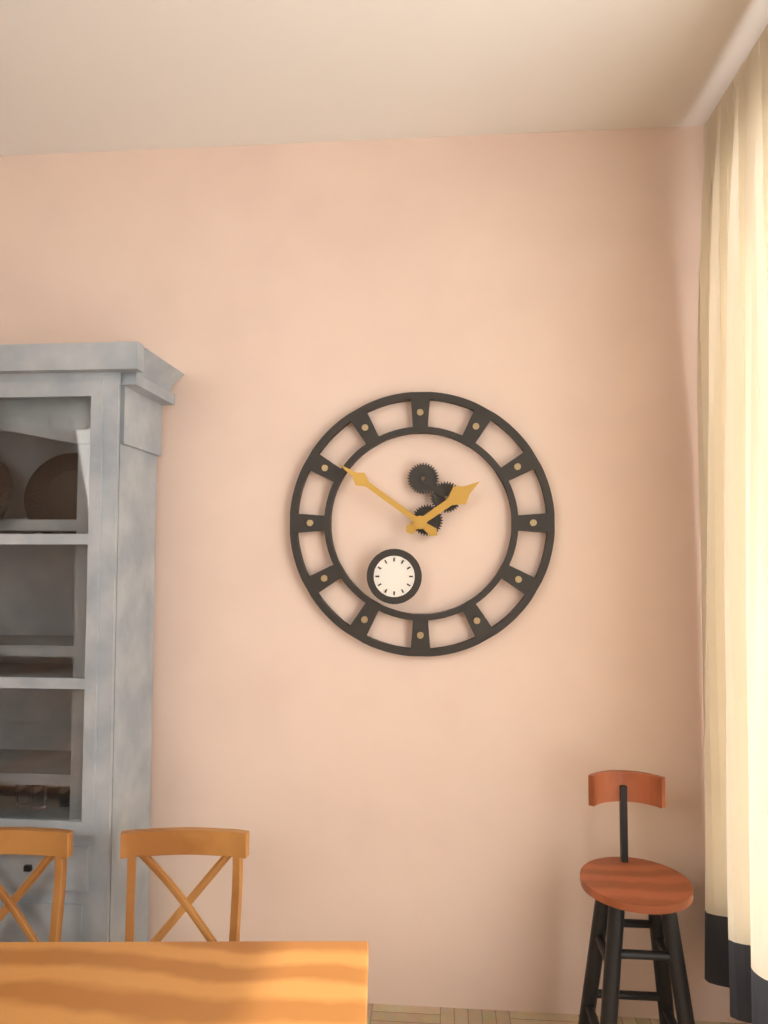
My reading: 1:51
